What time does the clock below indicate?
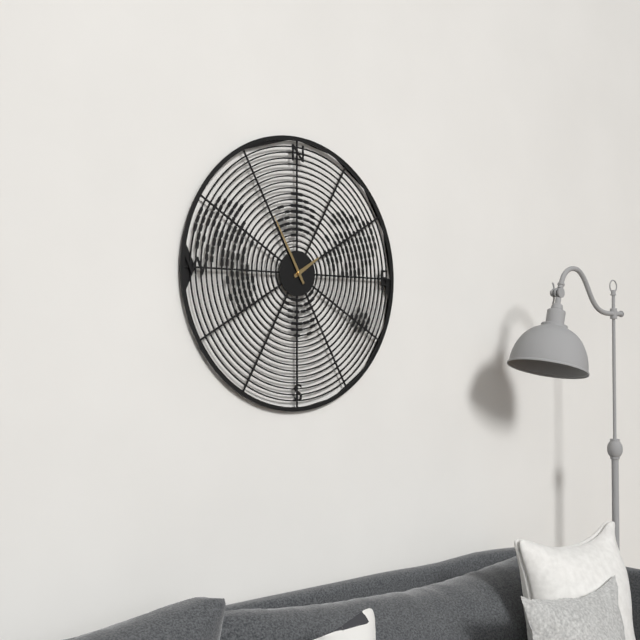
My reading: 1:55
